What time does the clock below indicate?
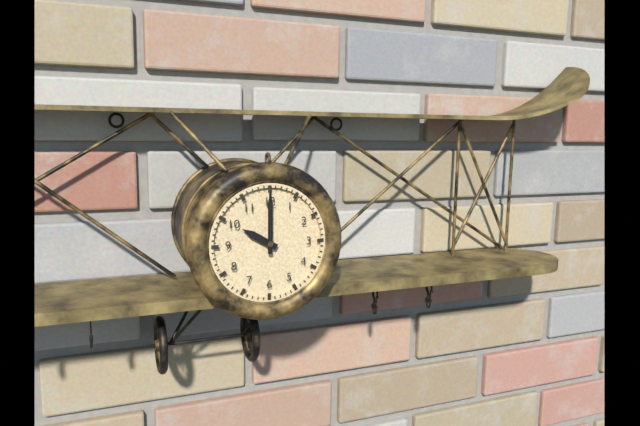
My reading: 10:00
